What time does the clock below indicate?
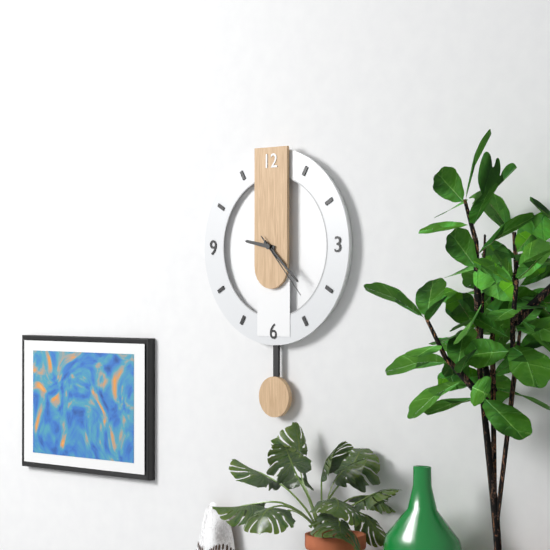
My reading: 9:22:23
